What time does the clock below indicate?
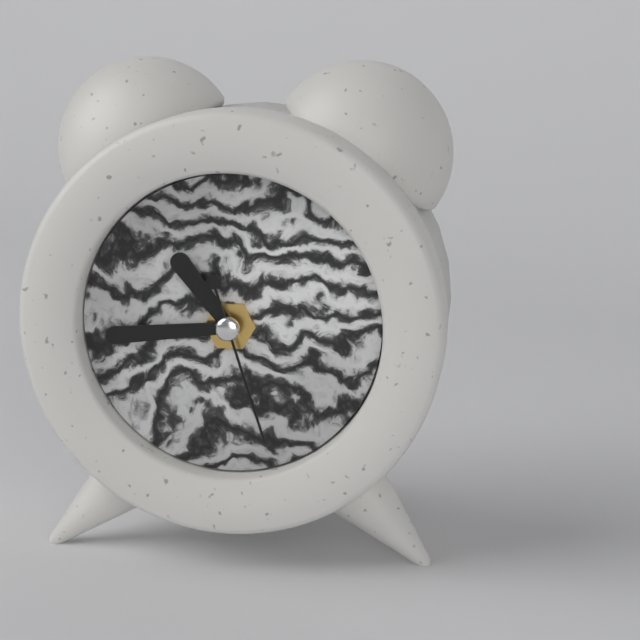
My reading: 10:44:27
